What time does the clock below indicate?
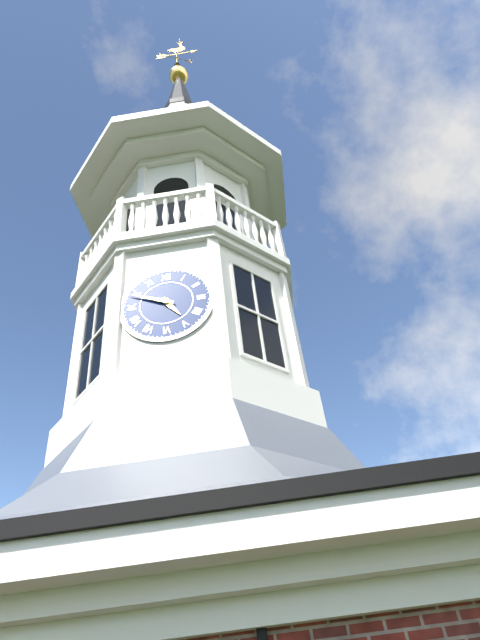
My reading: 4:49
